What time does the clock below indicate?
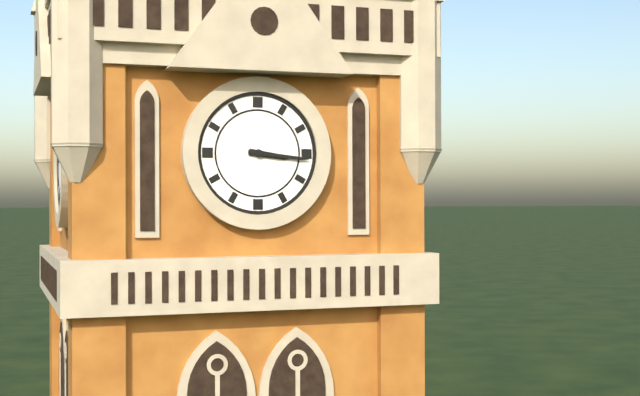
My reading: 3:16
